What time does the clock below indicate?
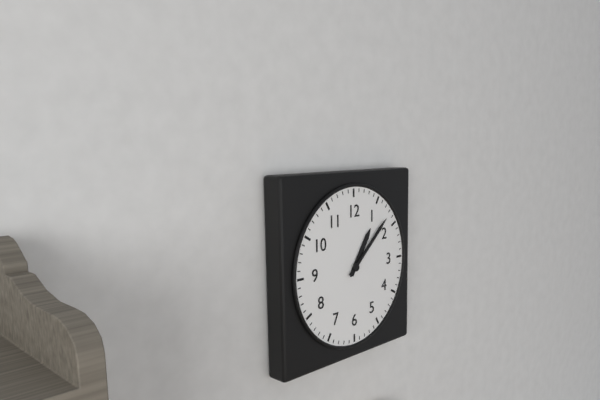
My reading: 1:08
